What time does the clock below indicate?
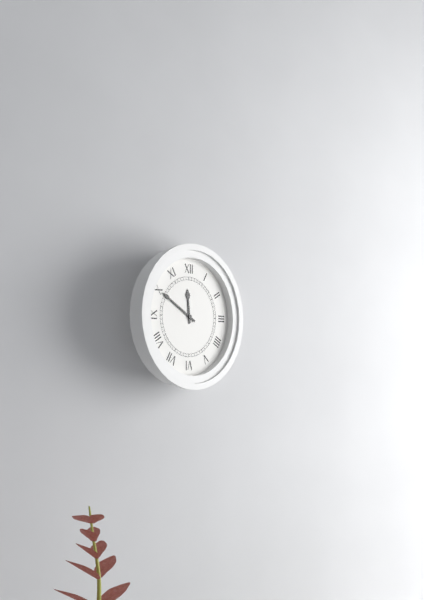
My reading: 11:50
